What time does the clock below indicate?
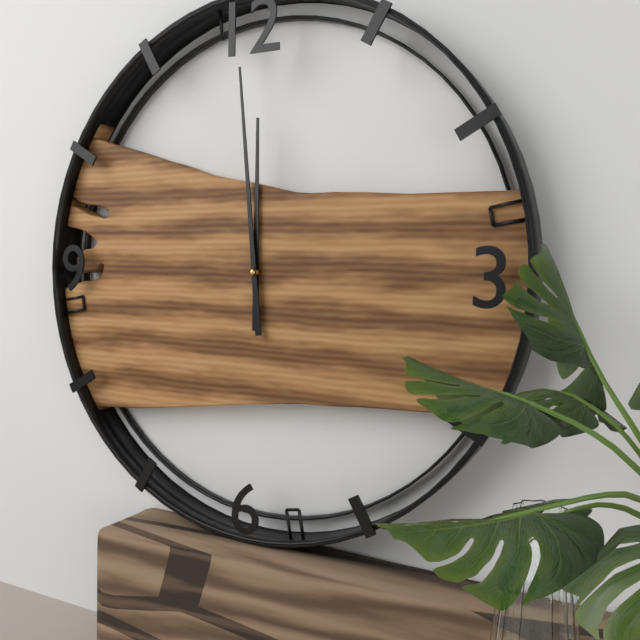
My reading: 11:59
